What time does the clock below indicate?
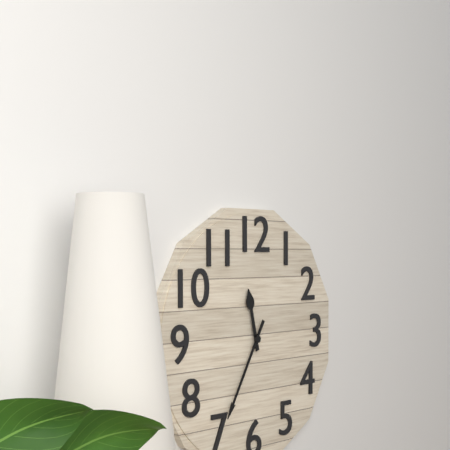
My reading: 11:35
